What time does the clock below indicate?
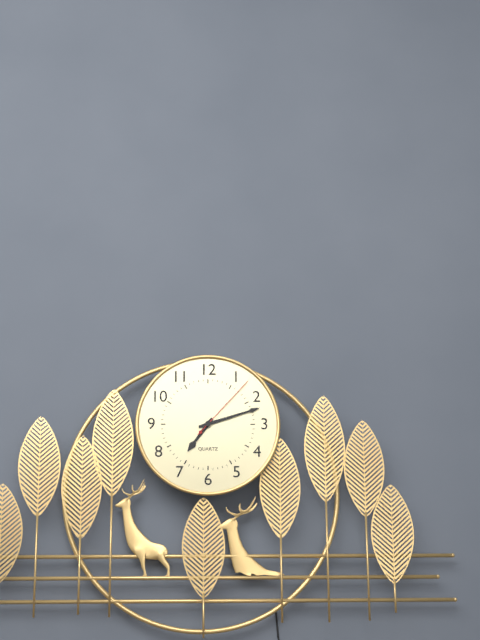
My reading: 7:12:07
